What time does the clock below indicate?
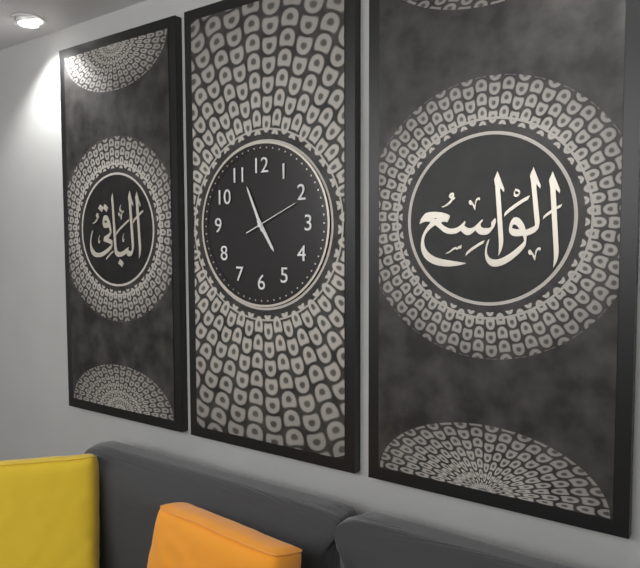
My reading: 4:56:11
